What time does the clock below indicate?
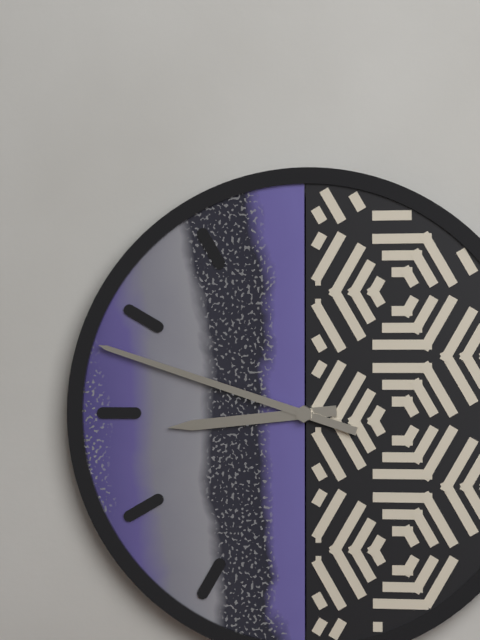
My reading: 8:48
